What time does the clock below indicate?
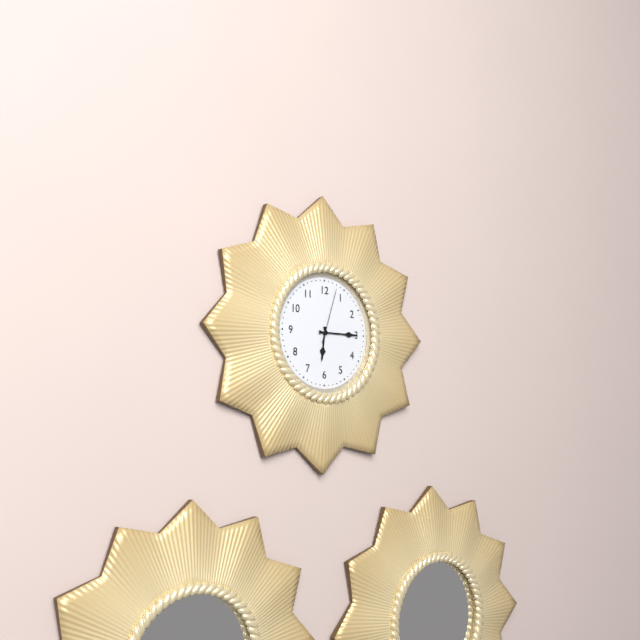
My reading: 6:15:03
